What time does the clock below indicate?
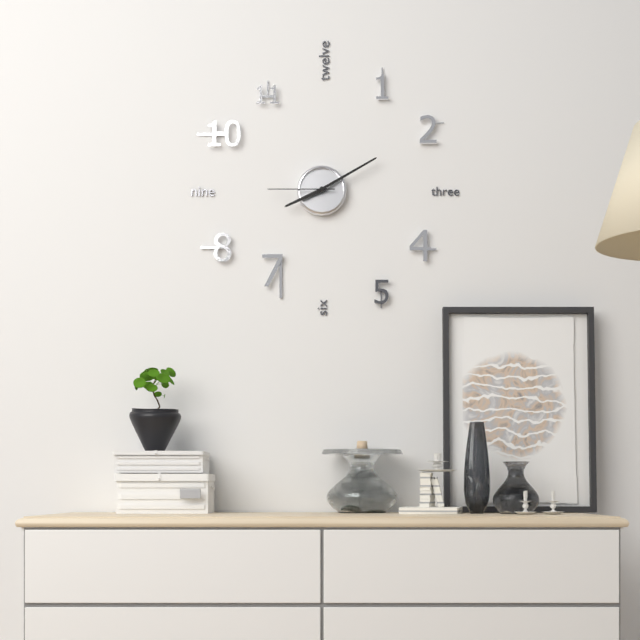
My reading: 8:10:45
